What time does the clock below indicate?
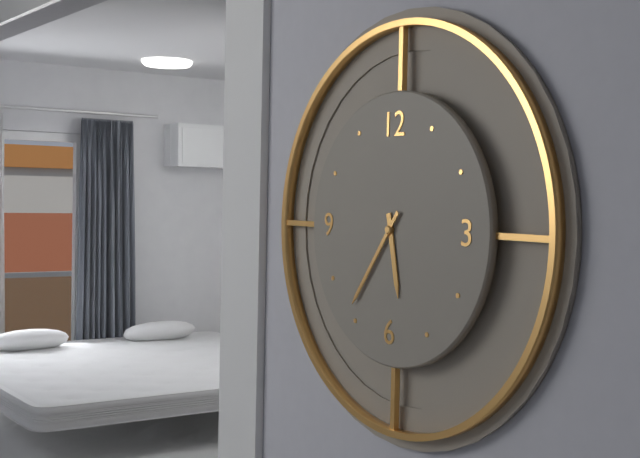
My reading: 5:36
